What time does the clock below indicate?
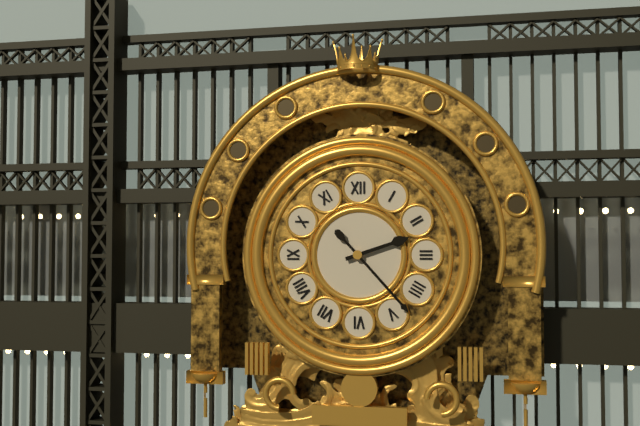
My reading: 2:23
